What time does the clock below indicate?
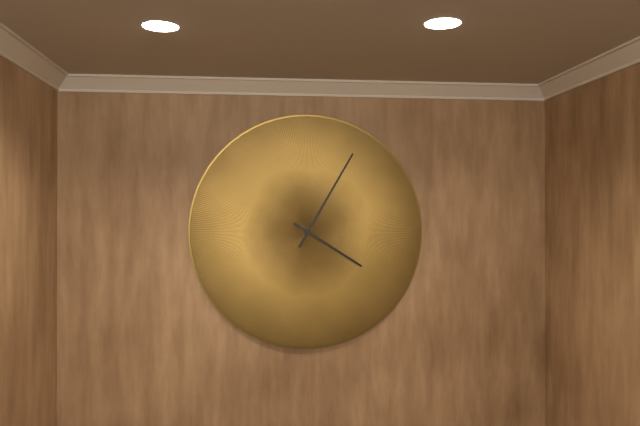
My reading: 4:05
